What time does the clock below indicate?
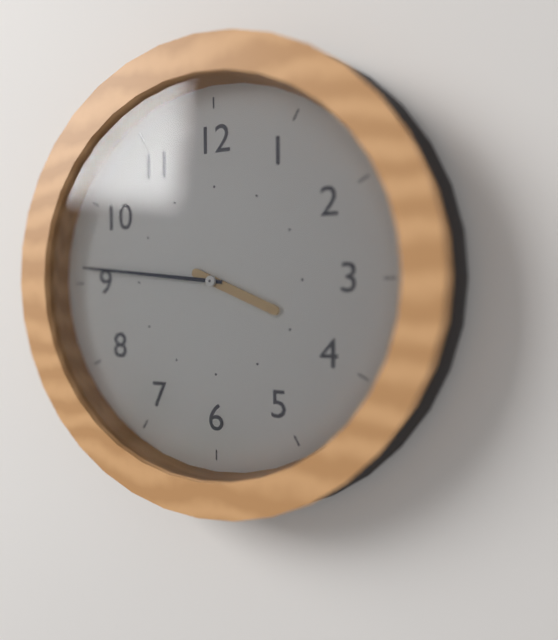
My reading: 3:46
